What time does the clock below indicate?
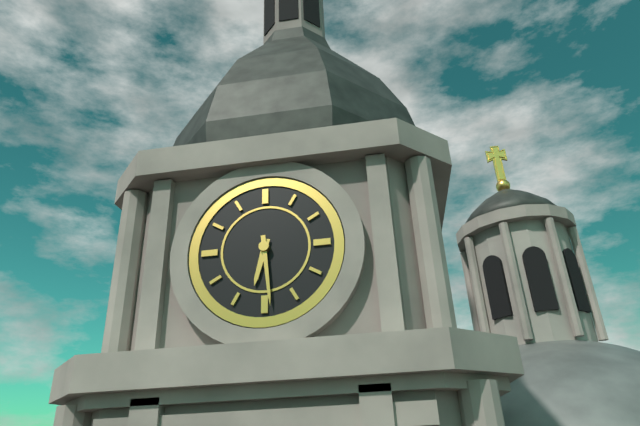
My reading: 6:29
